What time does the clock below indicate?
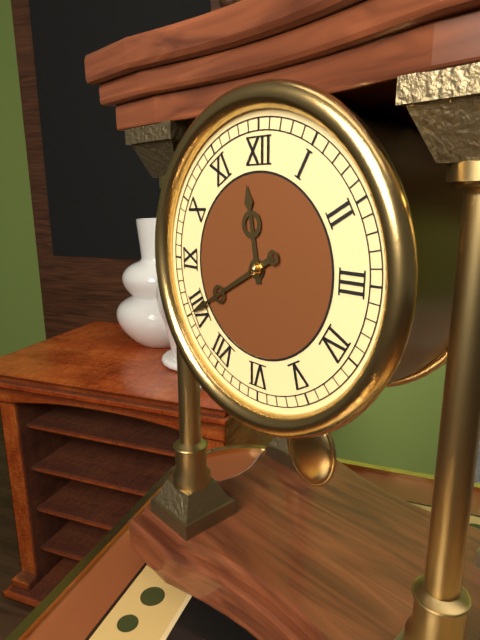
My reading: 11:40
